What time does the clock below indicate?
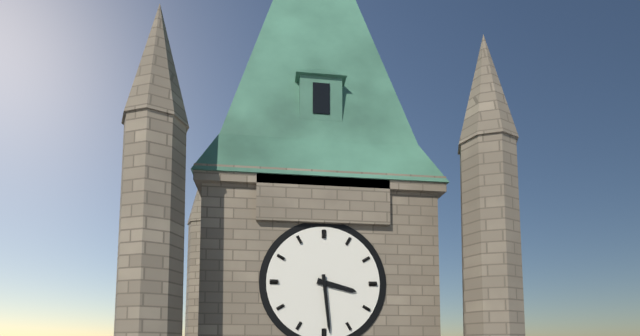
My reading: 3:29
